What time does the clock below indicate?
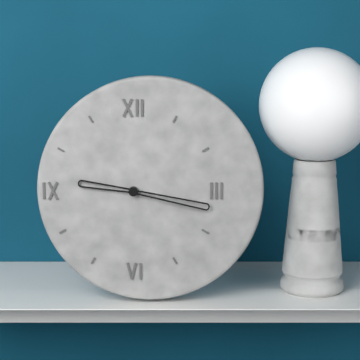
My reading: 9:17
